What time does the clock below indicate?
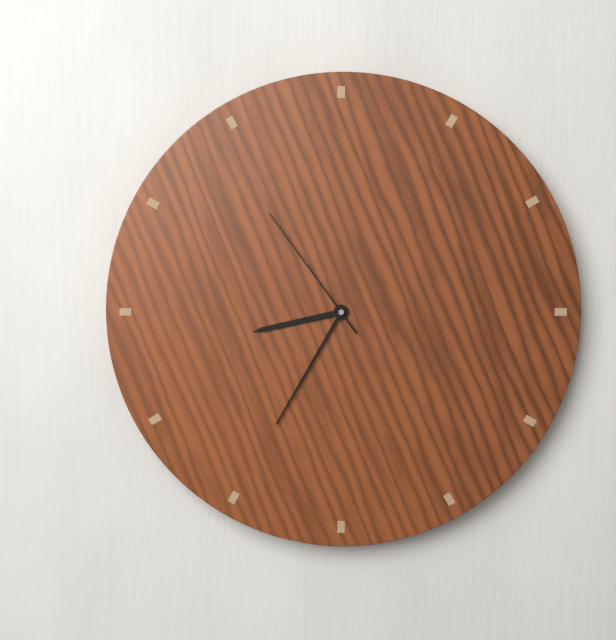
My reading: 8:35:54
